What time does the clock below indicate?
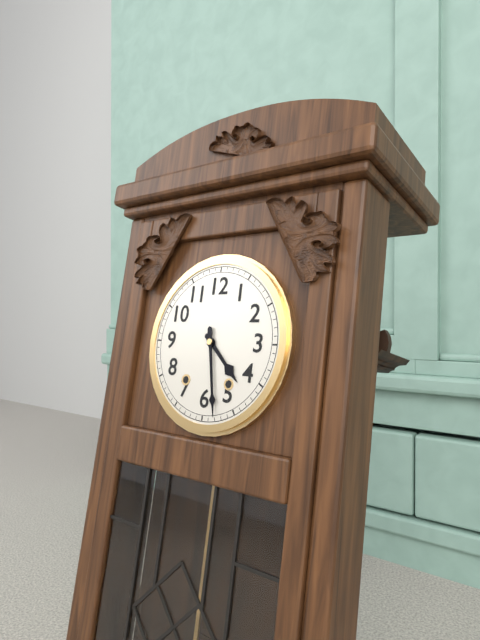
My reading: 4:28
